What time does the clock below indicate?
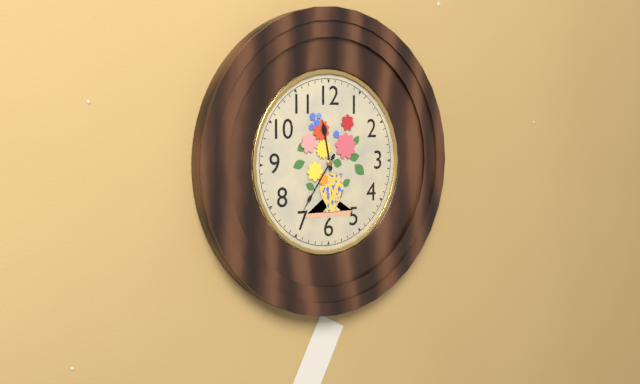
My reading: 11:36
